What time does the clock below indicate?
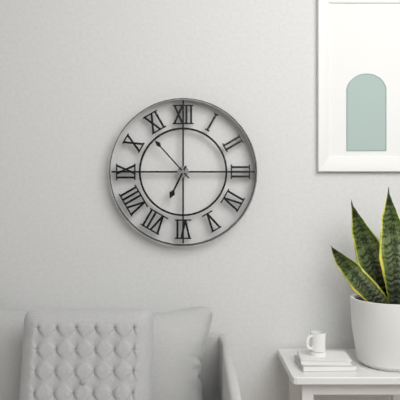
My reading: 6:53
